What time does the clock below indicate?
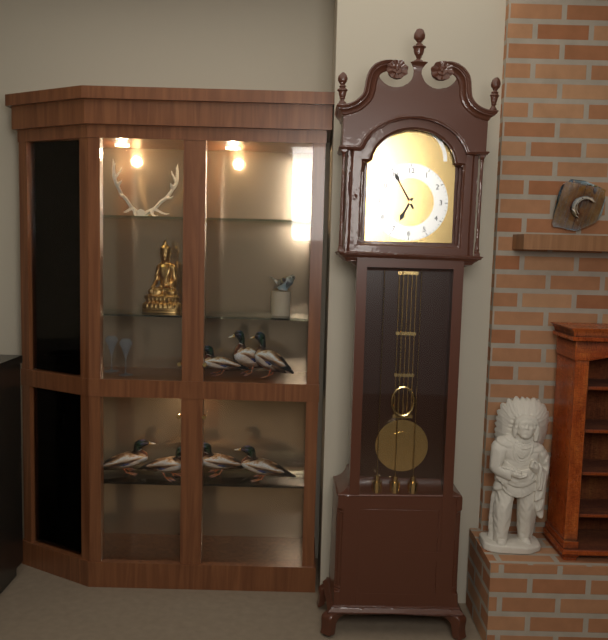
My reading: 6:55
